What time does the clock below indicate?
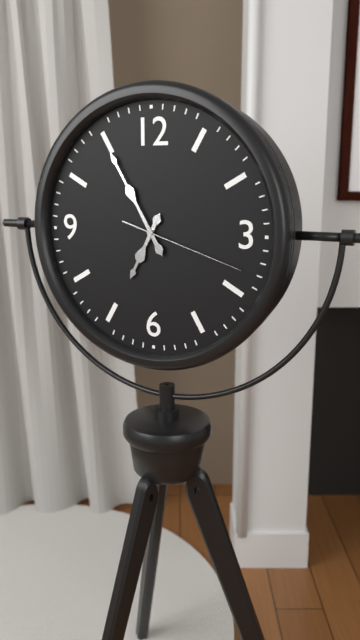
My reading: 6:55:18
